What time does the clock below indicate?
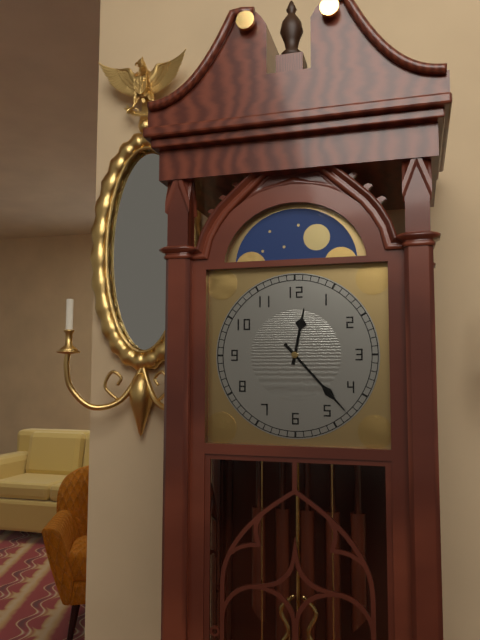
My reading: 12:23
